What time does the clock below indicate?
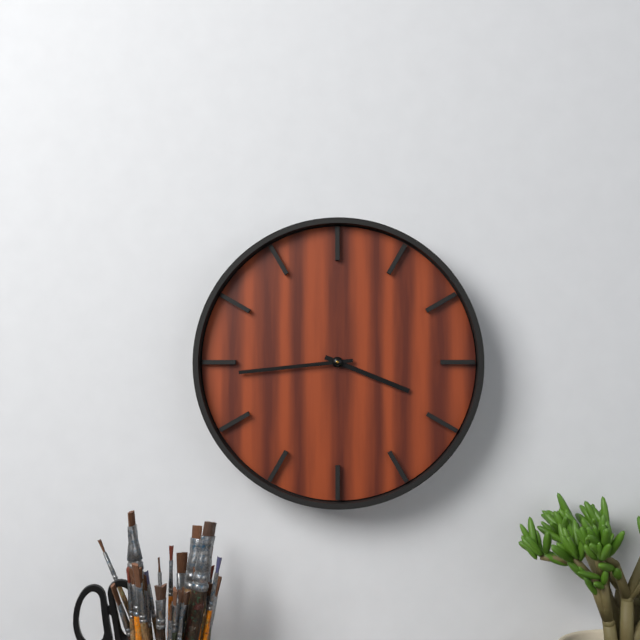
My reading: 3:44
